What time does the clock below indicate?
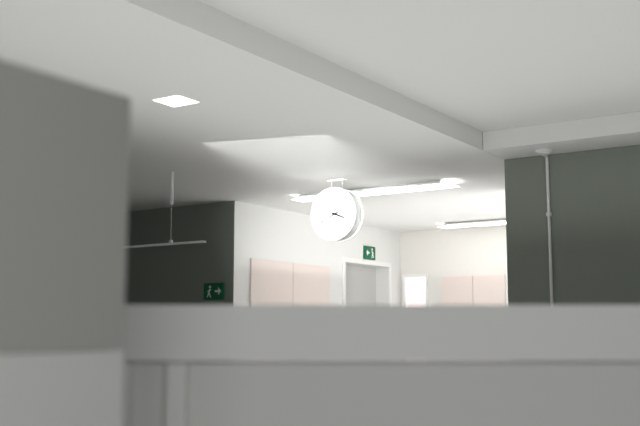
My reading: 3:41
